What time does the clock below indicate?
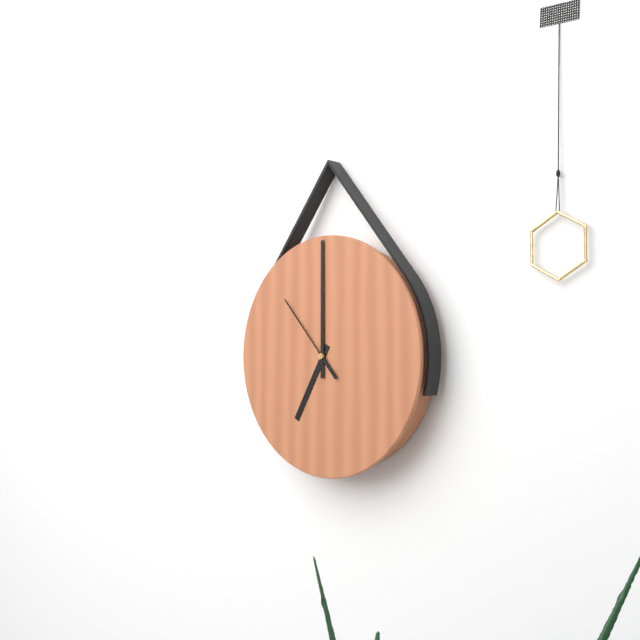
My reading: 7:00:53
